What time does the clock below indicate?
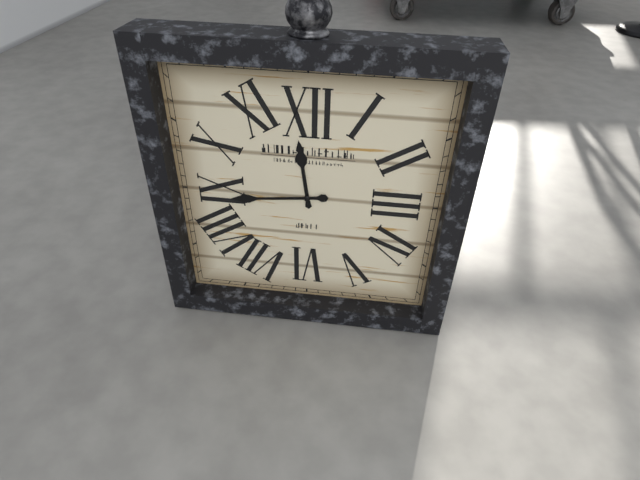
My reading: 11:44
